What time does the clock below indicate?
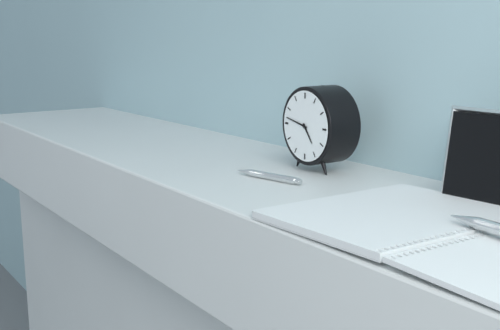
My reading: 4:47
